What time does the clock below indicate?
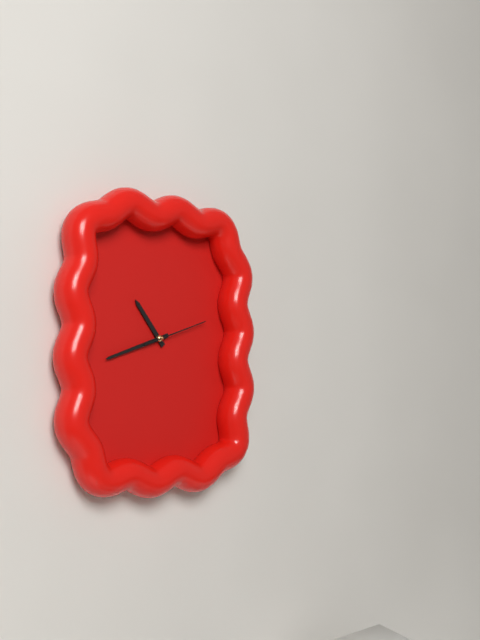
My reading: 10:42:12
